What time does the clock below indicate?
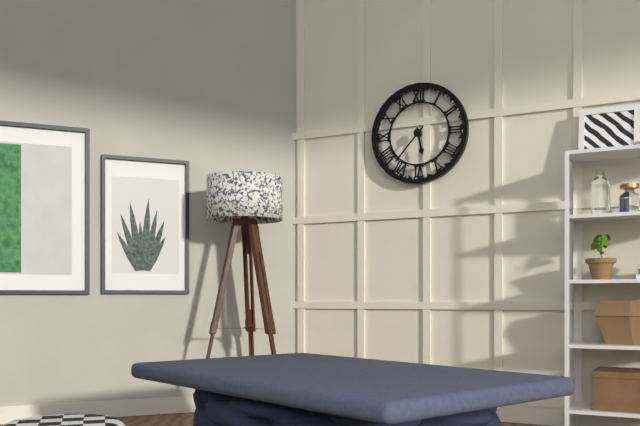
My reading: 5:37
